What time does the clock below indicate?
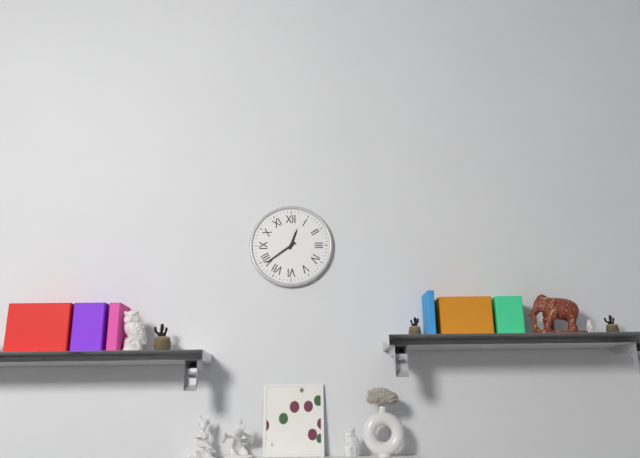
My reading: 12:39
